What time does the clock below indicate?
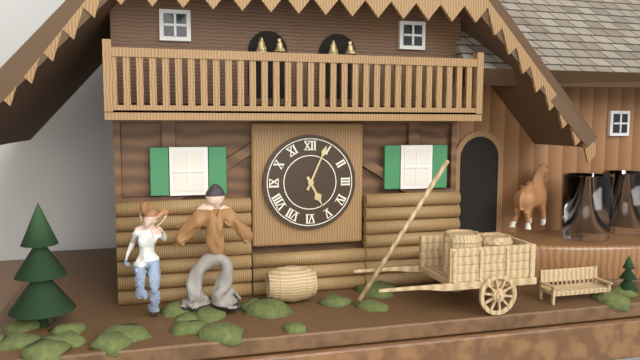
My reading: 5:04
